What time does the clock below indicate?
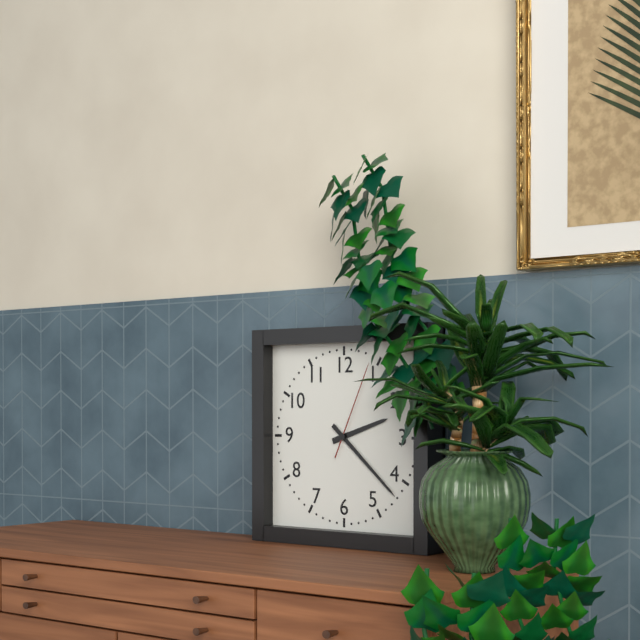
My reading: 2:22:04
